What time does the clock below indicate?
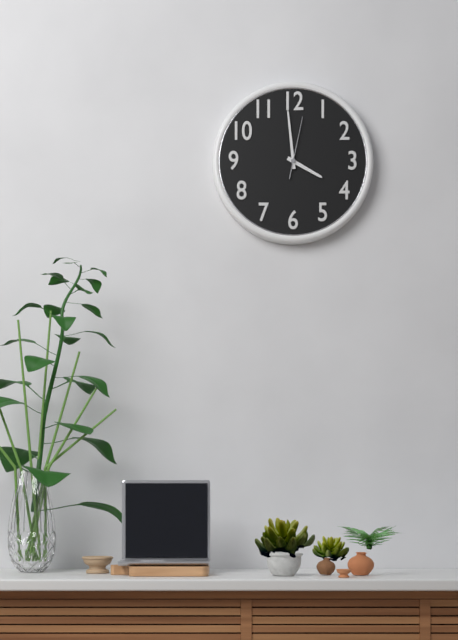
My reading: 3:59:02
